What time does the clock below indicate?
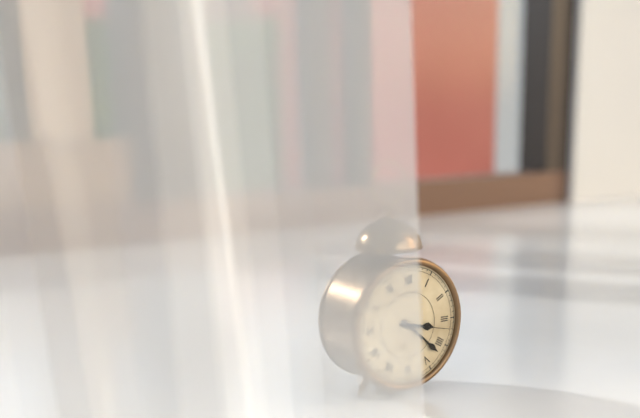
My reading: 3:22:17
